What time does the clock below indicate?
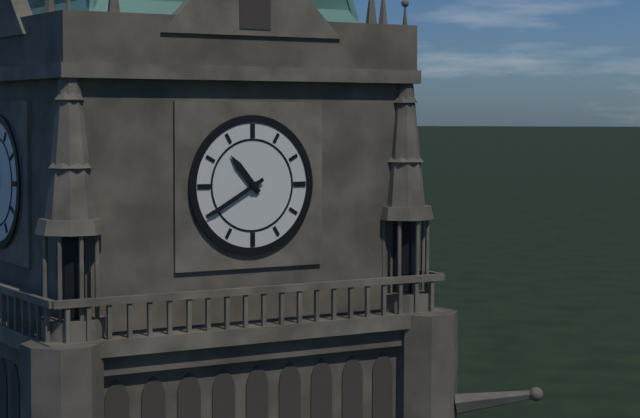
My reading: 10:40
